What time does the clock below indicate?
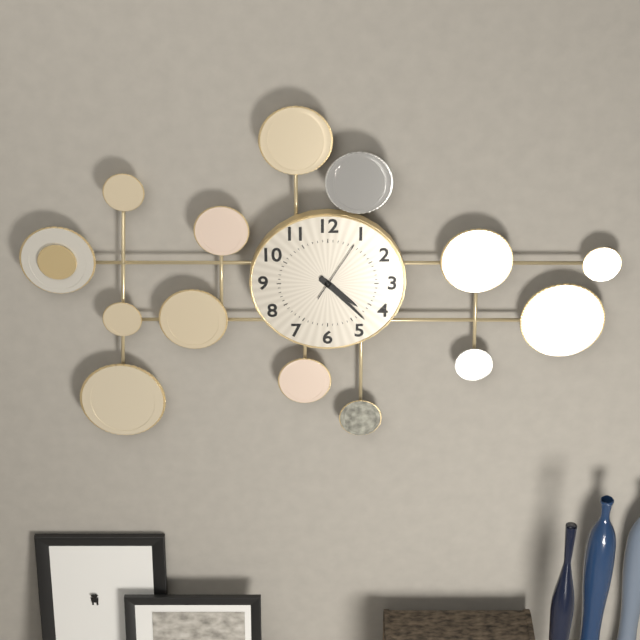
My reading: 4:23:05
